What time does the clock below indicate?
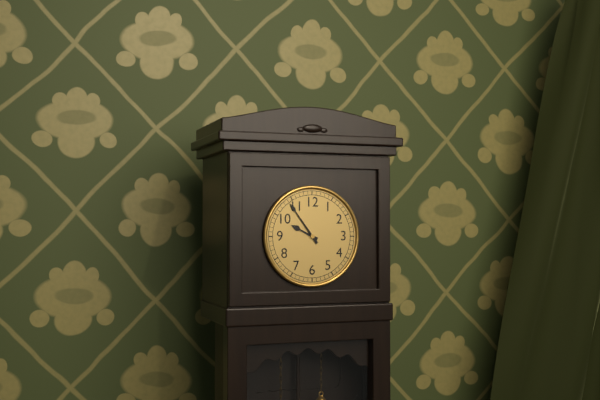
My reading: 9:54
